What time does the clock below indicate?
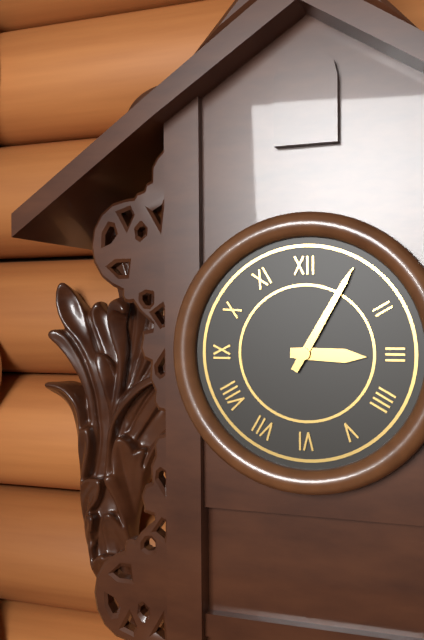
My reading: 3:05
